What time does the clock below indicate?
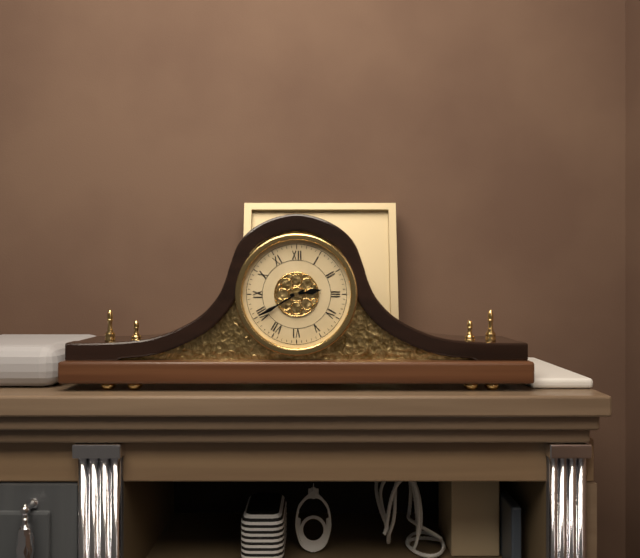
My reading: 2:40
